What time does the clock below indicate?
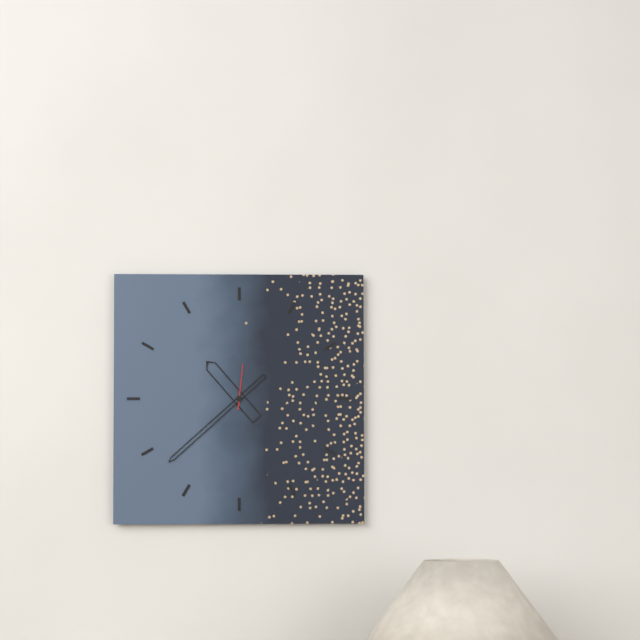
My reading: 10:38
